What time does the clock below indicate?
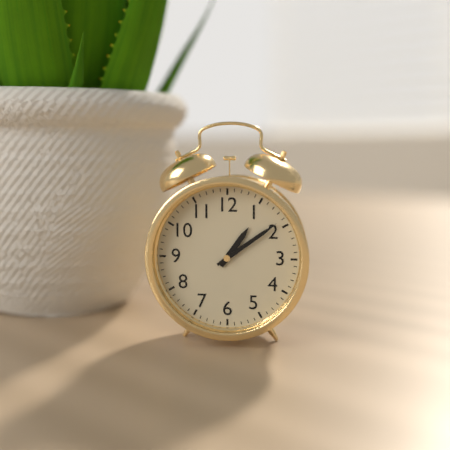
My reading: 1:09
